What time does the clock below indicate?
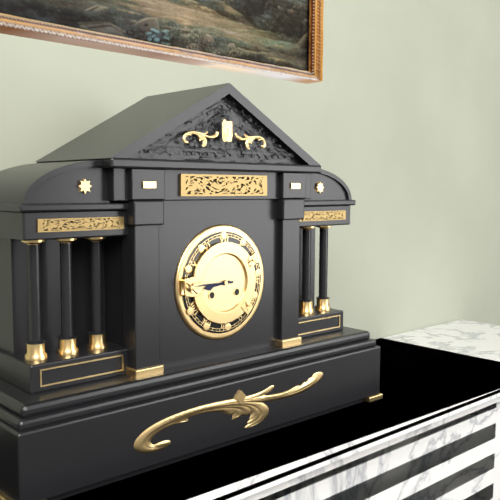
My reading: 8:45
